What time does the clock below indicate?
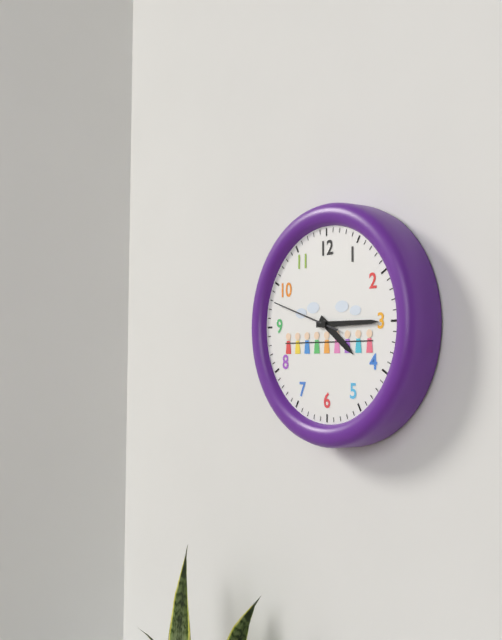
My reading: 4:15:48
